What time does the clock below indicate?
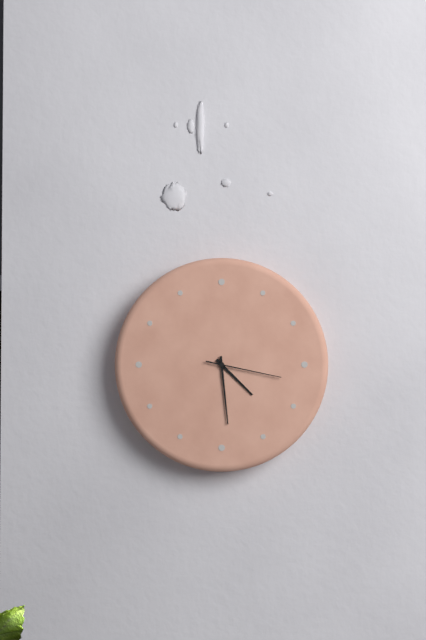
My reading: 4:29:17
